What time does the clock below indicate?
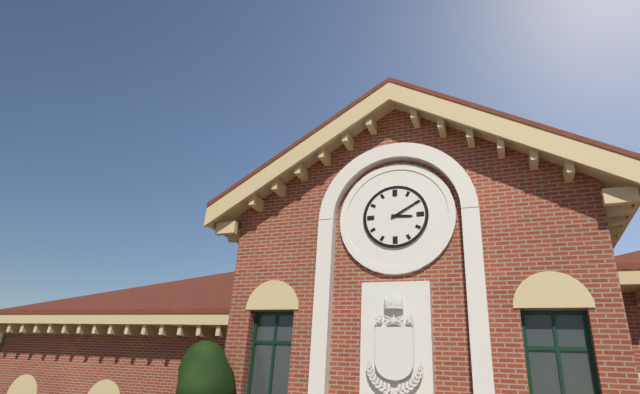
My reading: 3:10
